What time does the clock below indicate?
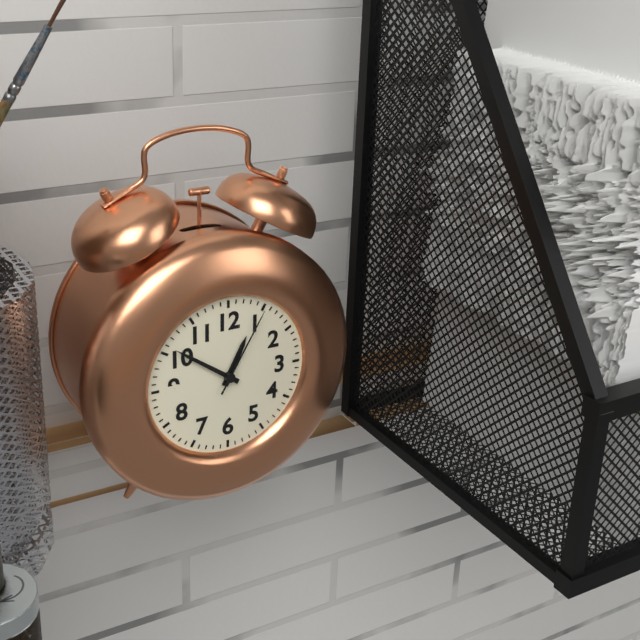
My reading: 12:51:05
